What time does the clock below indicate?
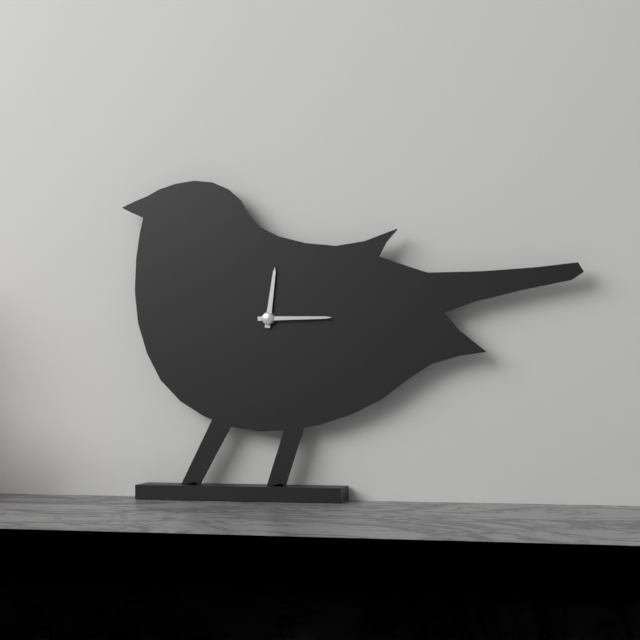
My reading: 12:15
